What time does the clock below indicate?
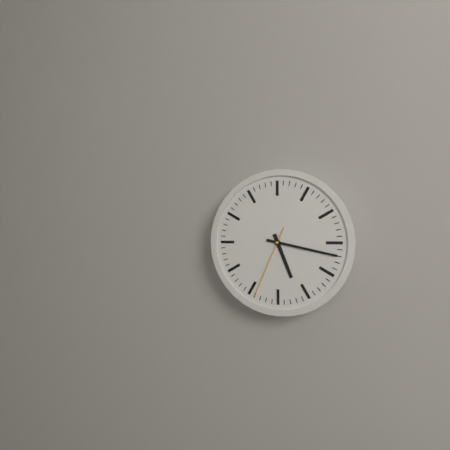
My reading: 5:17:34
